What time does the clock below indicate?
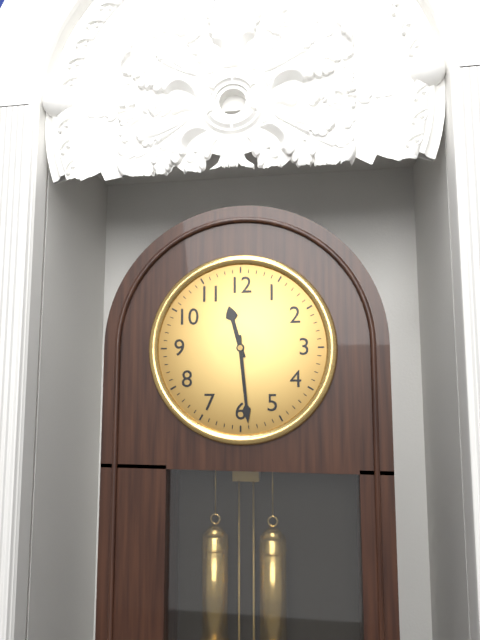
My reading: 11:29
